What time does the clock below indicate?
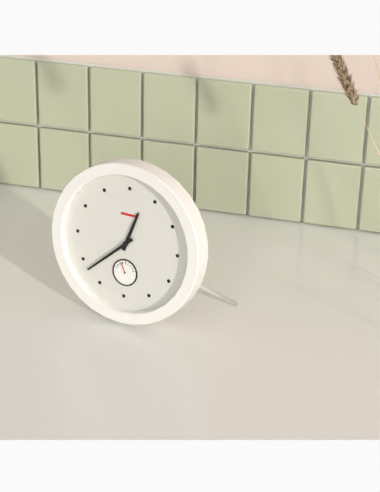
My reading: 12:38
